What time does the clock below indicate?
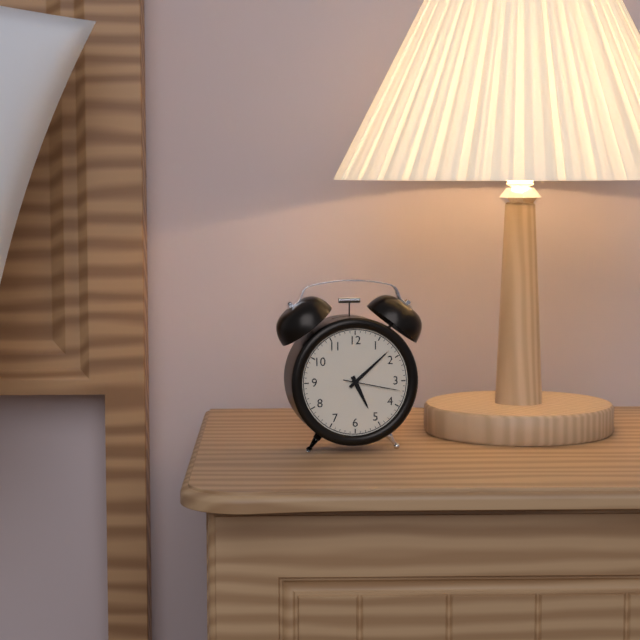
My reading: 5:08:17
